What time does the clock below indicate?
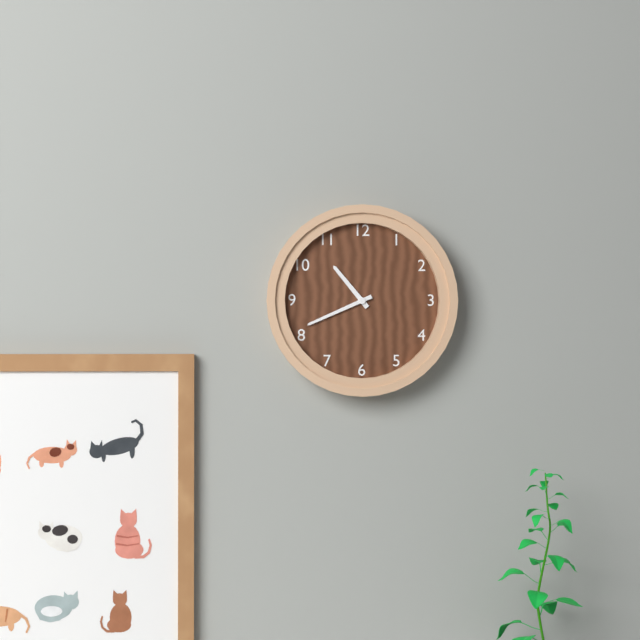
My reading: 10:41
